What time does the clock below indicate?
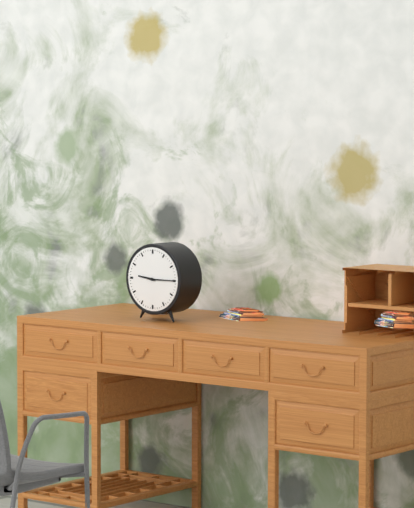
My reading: 9:15
